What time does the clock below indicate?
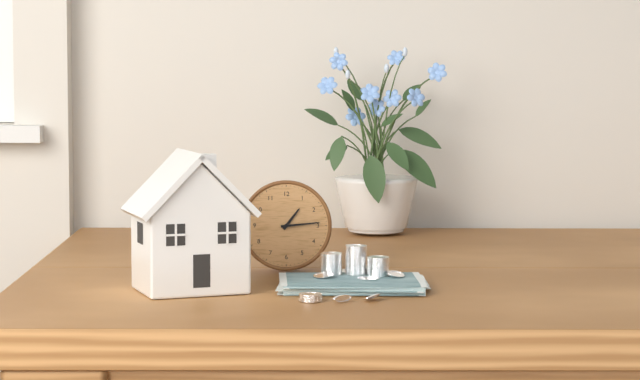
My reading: 1:14
